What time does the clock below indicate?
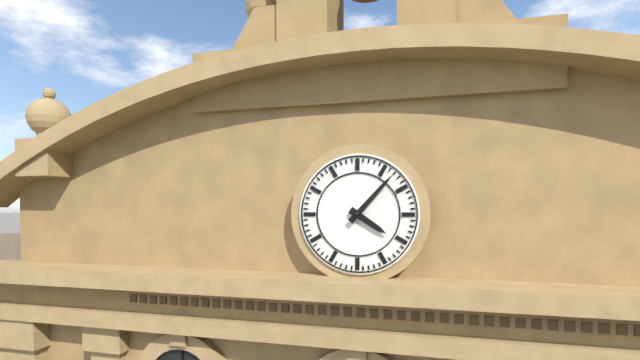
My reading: 4:07
